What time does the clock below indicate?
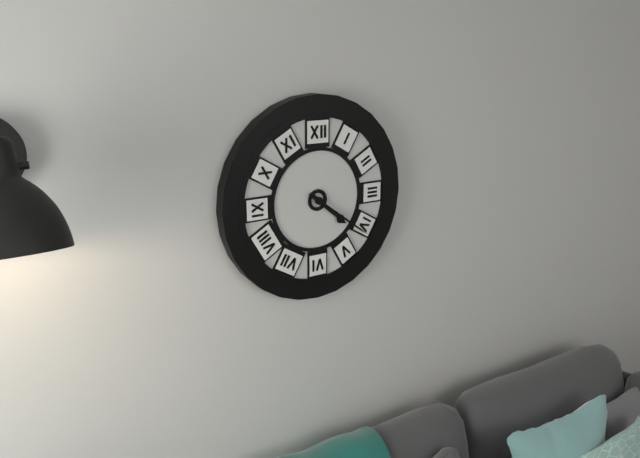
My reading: 4:21
